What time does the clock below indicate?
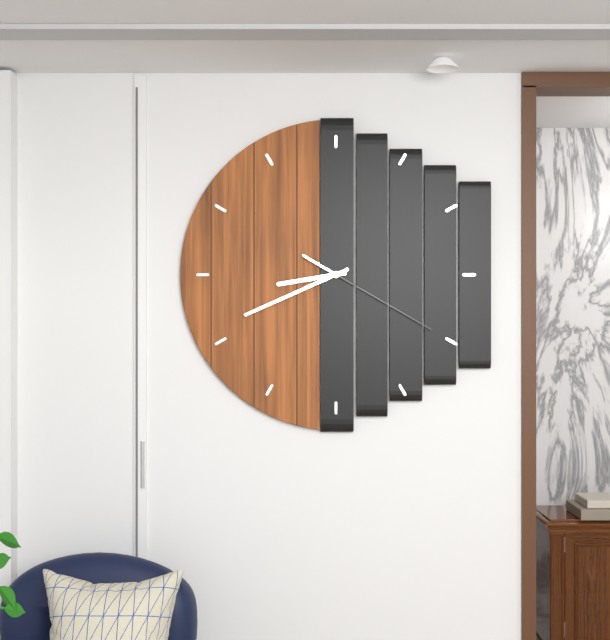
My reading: 8:41:20
